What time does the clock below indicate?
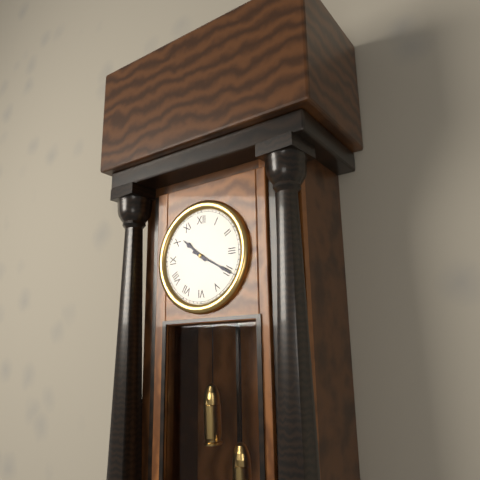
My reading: 10:20
